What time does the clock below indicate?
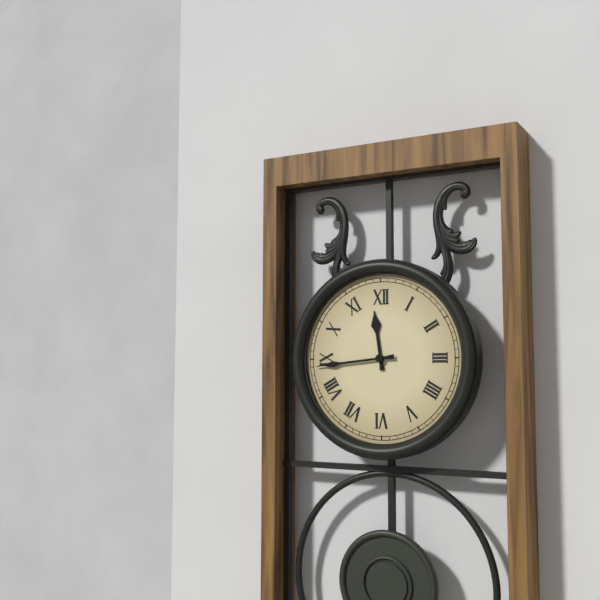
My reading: 11:44
